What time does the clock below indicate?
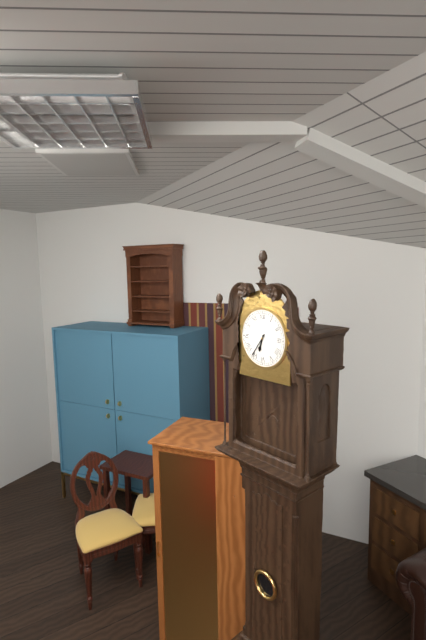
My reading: 6:36
